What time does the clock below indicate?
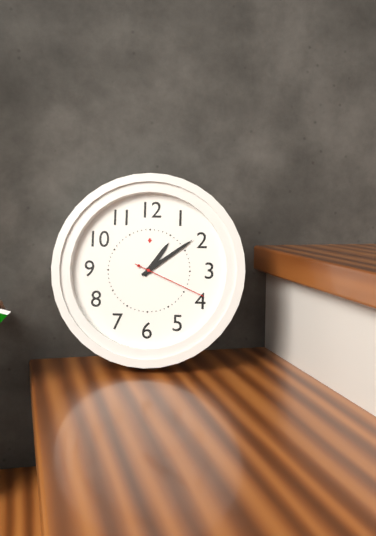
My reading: 1:09:19
